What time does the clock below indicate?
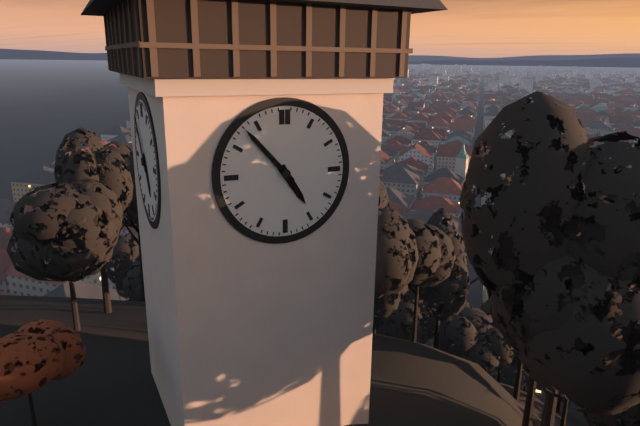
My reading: 4:53
